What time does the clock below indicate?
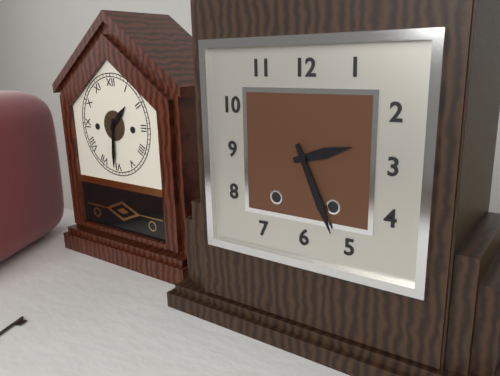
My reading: 2:26
